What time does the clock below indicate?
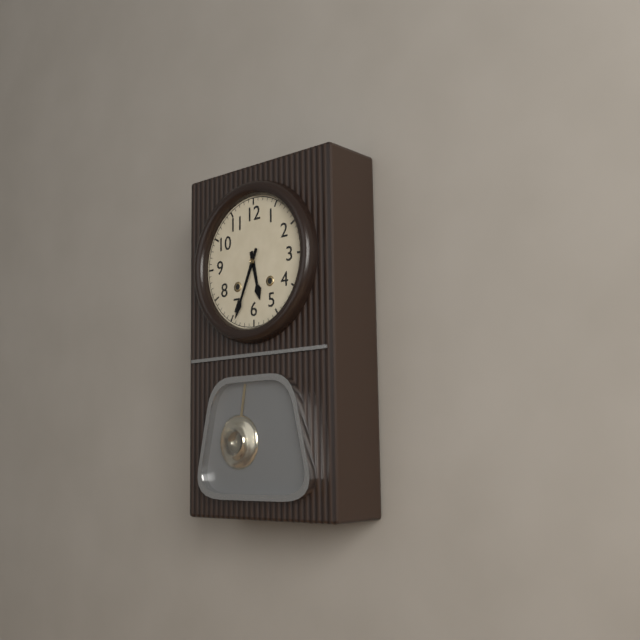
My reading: 5:34
